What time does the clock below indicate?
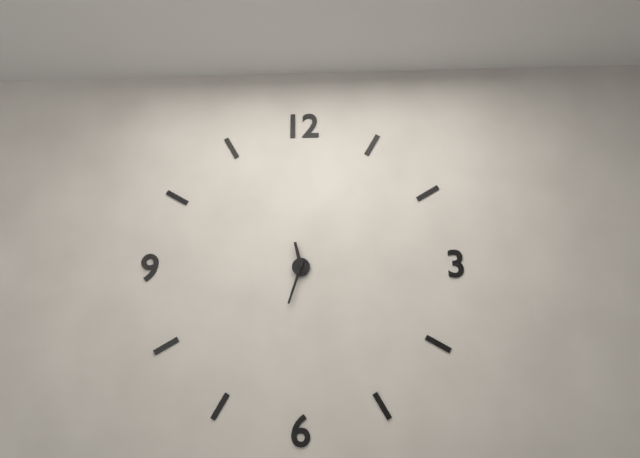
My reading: 11:33
